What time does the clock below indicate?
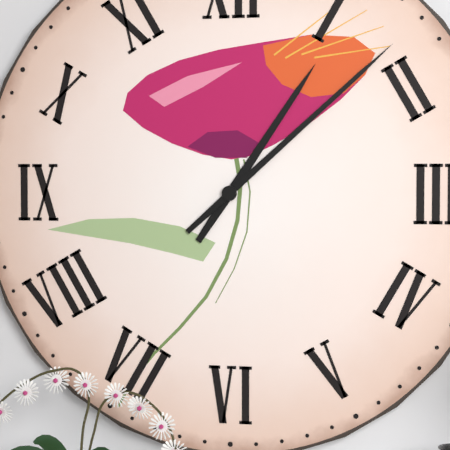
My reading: 1:08
